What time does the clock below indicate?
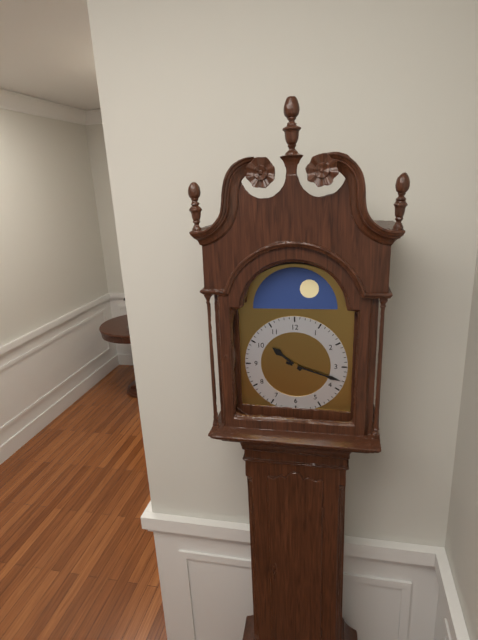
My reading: 10:18
